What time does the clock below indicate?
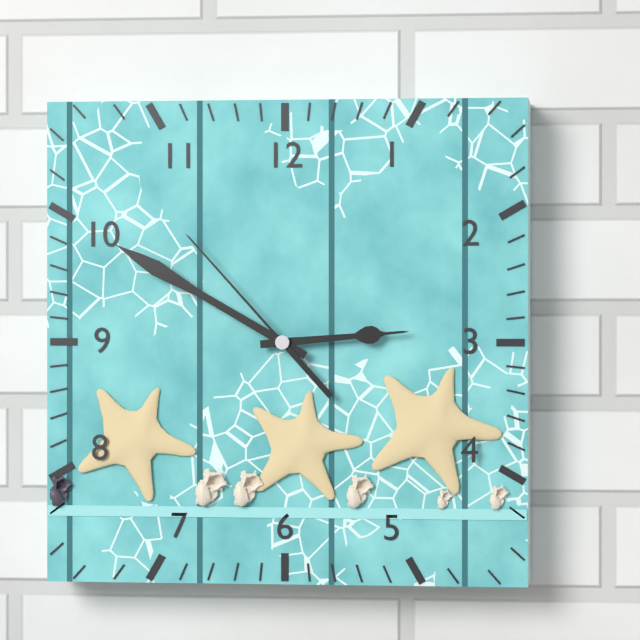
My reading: 2:50:53
